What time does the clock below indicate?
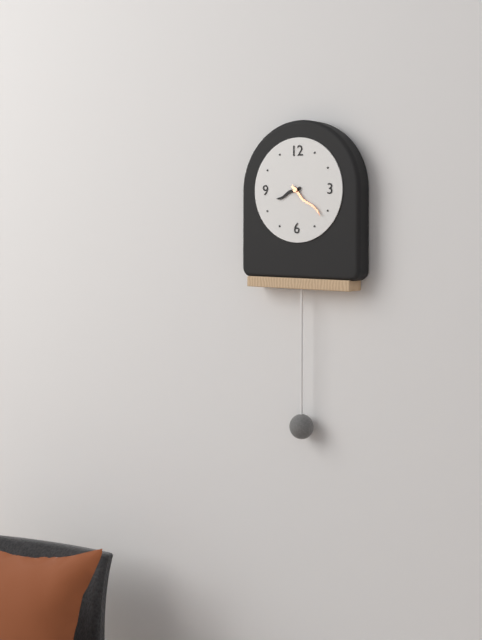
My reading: 8:22
